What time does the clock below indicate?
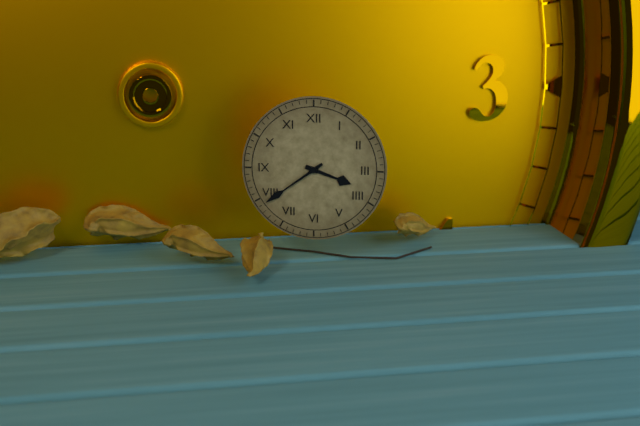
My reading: 3:39
